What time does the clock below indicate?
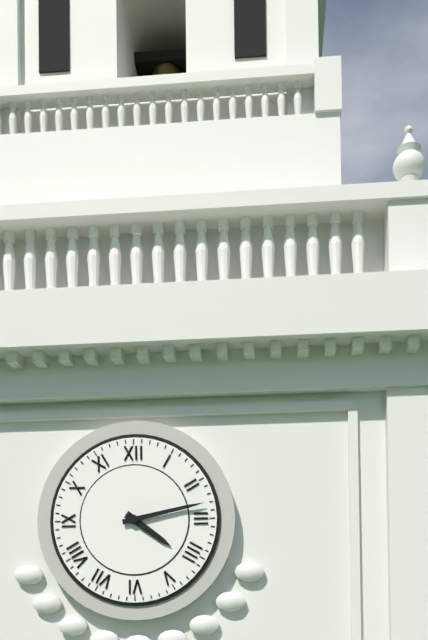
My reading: 4:13
